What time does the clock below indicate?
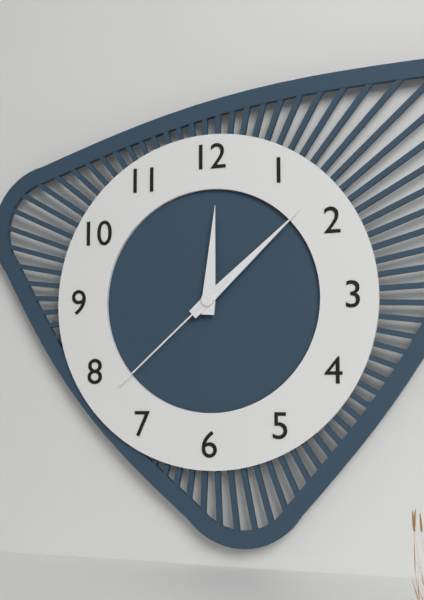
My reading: 12:08:38
